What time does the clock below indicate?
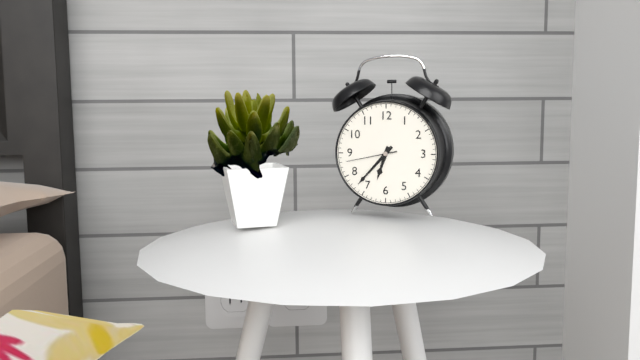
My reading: 6:37:43
